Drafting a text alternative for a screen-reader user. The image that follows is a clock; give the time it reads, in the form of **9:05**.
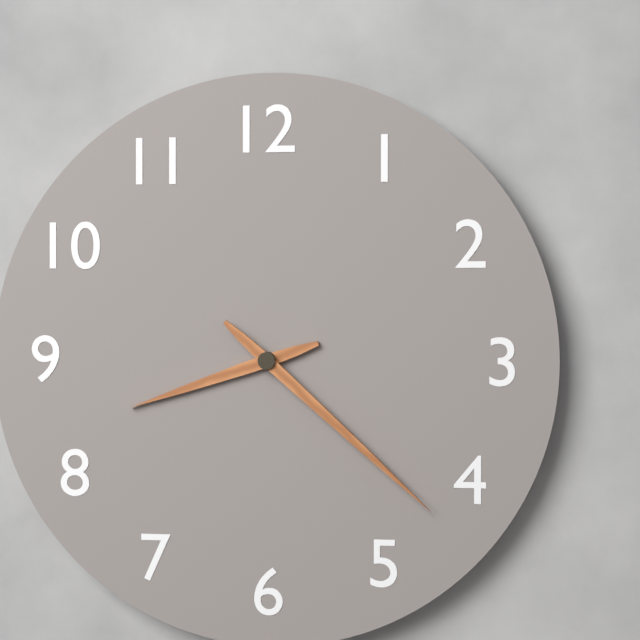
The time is **8:22**
